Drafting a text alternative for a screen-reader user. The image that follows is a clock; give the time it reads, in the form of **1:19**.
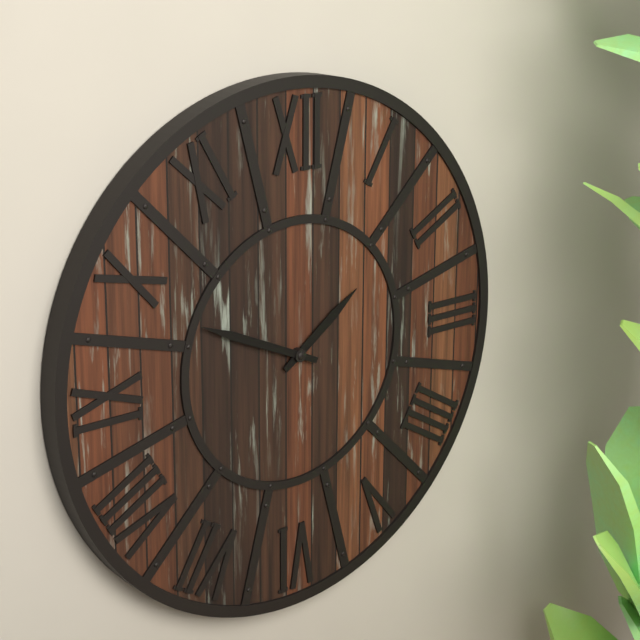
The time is **1:49**
